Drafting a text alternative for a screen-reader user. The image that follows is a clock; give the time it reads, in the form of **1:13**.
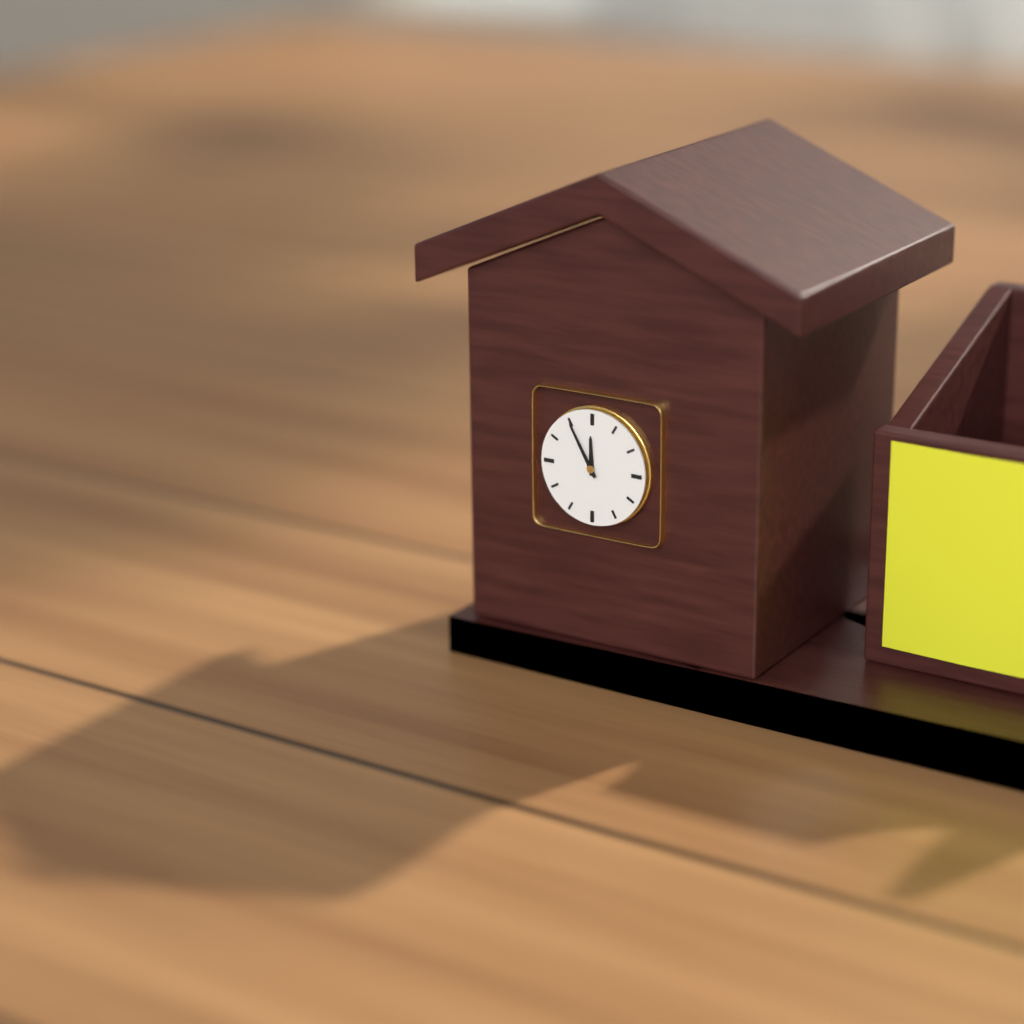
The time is **11:55**
